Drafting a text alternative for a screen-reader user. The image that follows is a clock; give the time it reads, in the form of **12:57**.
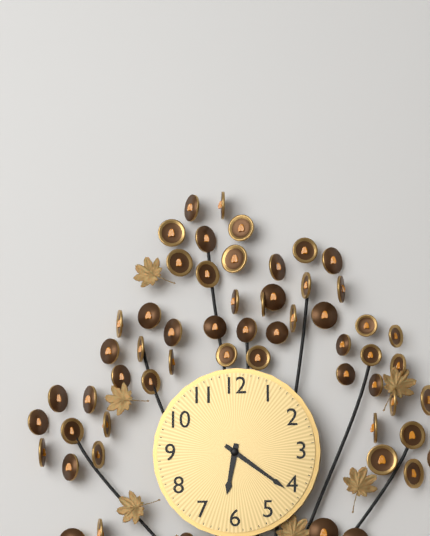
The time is **6:21**
